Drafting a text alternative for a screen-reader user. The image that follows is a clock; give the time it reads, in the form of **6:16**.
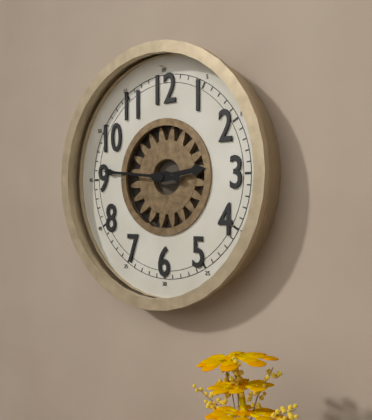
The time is **2:46**
